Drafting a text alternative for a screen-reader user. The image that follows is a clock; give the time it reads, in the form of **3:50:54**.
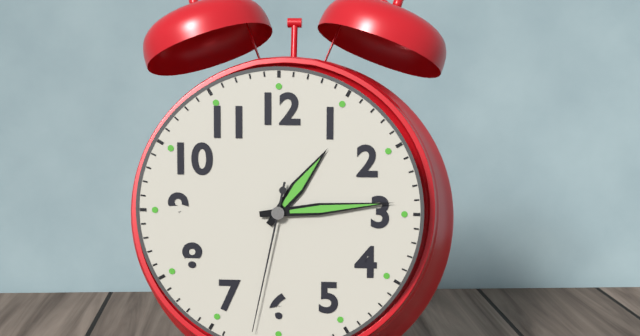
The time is **1:14:32**
